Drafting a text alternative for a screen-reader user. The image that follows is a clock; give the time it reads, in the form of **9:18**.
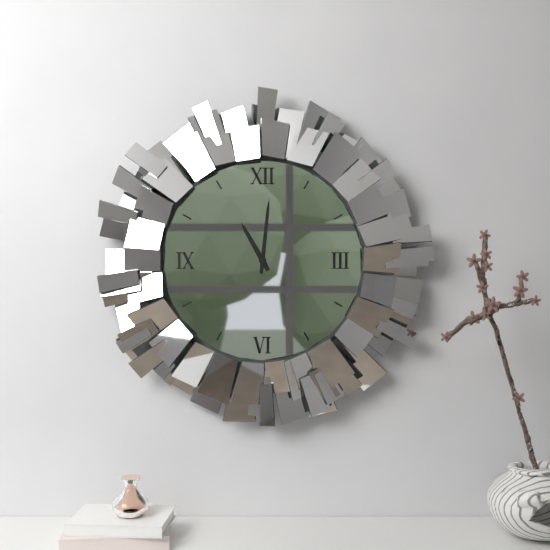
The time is **11:01**
